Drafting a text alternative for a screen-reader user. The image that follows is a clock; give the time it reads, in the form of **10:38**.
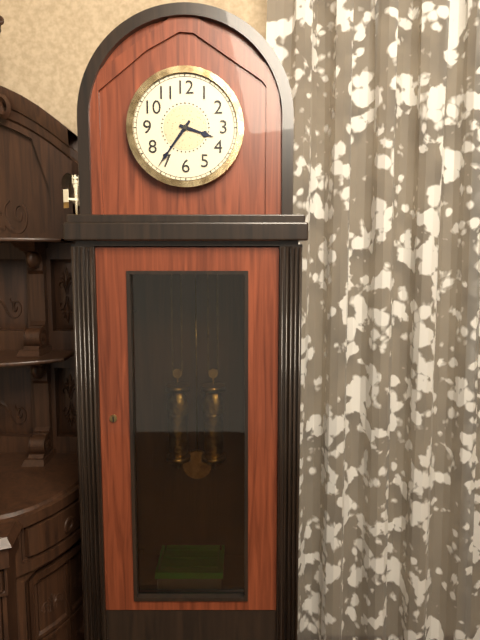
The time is **3:36**
